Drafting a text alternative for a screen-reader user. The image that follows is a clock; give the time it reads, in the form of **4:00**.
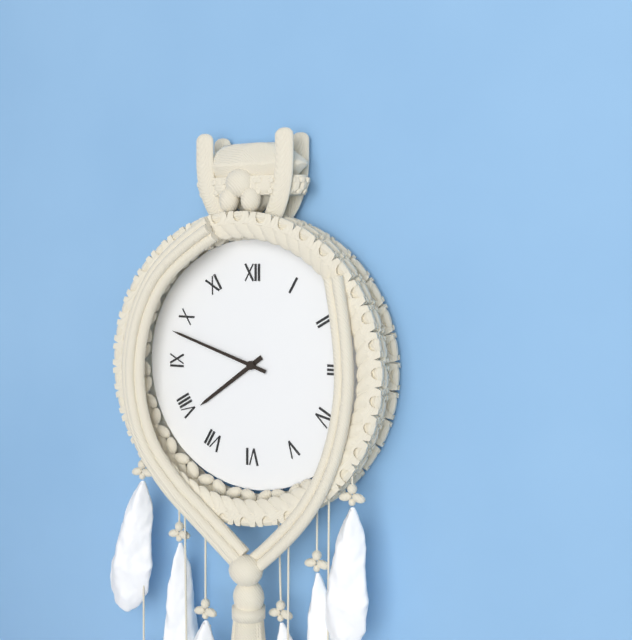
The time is **7:48**
